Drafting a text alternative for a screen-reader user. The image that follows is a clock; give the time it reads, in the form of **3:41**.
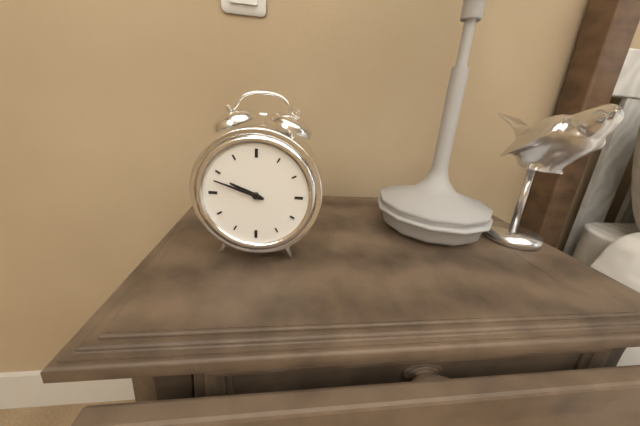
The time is **9:48**
